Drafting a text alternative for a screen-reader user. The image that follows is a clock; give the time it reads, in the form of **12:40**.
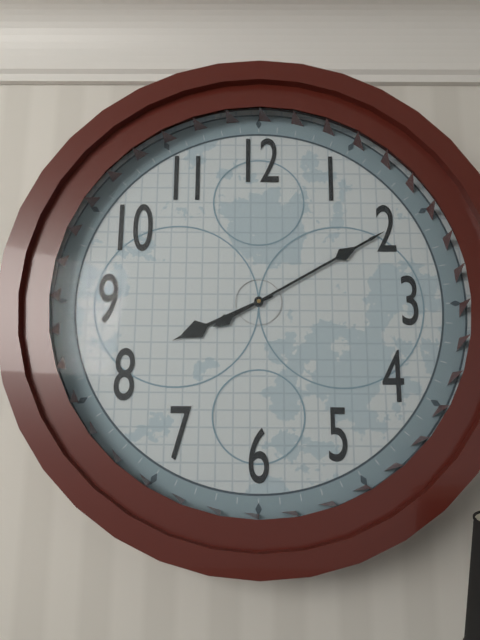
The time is **8:10**
